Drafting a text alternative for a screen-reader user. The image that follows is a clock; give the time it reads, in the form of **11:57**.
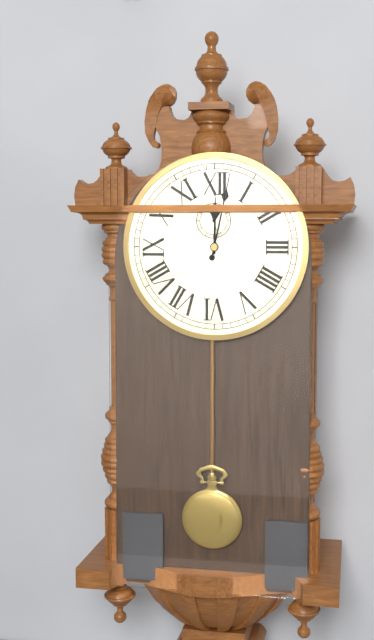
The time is **12:02**
